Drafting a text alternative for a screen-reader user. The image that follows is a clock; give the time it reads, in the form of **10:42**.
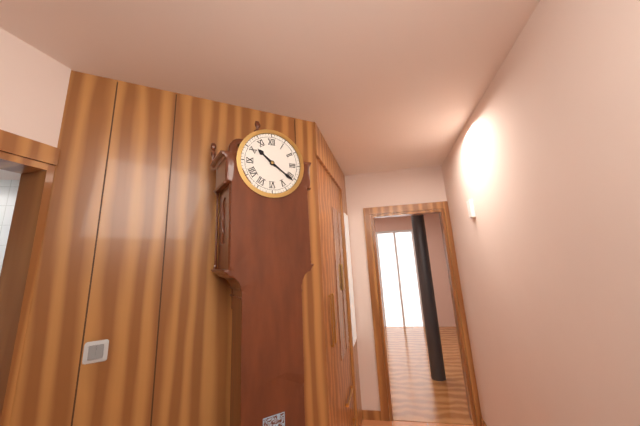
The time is **10:21**
